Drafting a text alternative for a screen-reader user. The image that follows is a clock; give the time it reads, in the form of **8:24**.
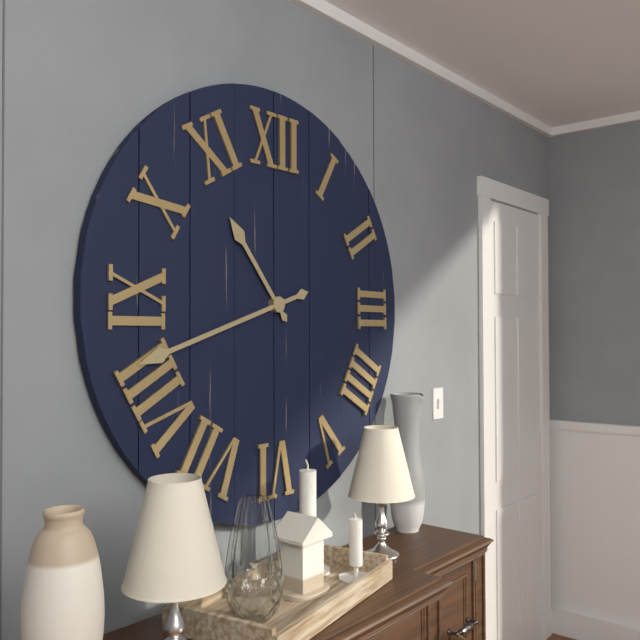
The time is **10:42**
